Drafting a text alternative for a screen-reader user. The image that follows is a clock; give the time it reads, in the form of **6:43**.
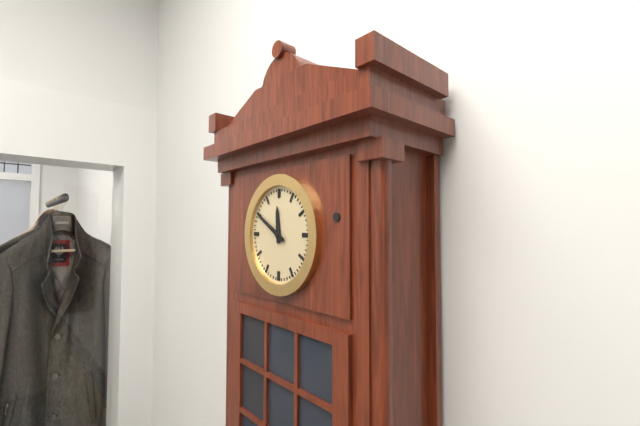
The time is **11:50**
